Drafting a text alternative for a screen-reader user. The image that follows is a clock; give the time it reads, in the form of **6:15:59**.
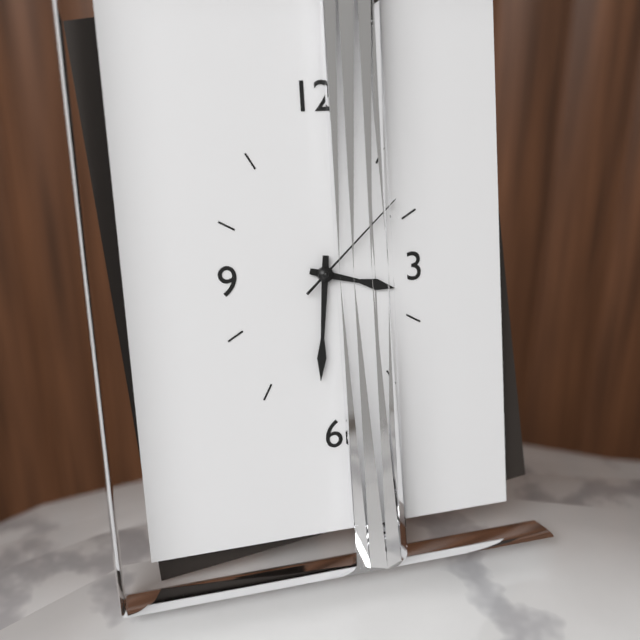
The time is **3:31:08**
